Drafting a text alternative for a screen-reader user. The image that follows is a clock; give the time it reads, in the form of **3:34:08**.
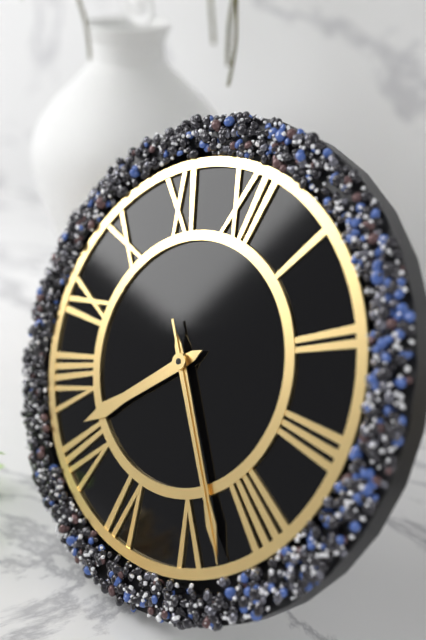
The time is **7:23:23**
